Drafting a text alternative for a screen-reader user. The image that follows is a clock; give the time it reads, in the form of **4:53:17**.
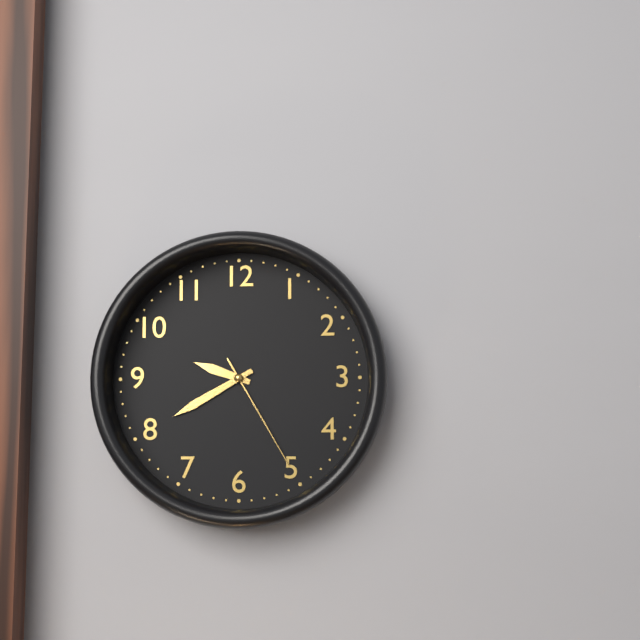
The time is **9:40:25**
